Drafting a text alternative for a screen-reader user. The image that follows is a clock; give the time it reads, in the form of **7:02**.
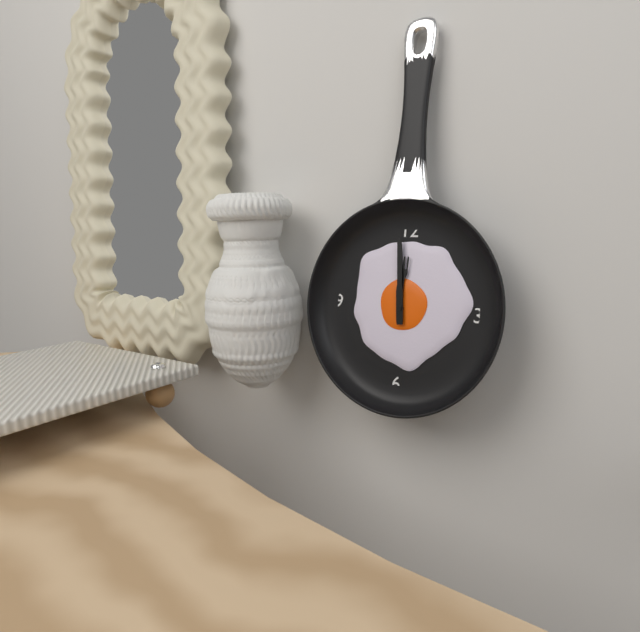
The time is **11:59**
